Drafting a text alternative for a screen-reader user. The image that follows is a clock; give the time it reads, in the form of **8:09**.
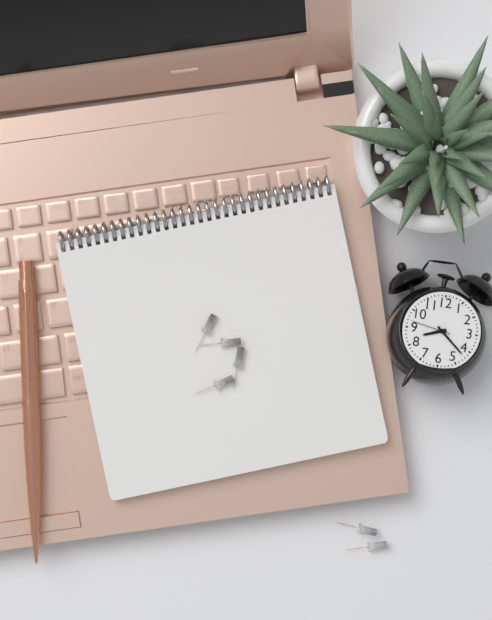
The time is **8:22**
